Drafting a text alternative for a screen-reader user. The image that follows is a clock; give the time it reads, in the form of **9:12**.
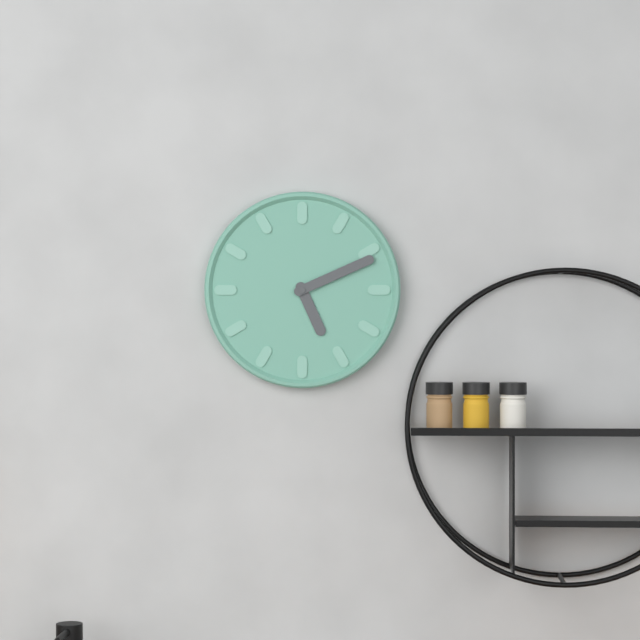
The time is **5:11**
